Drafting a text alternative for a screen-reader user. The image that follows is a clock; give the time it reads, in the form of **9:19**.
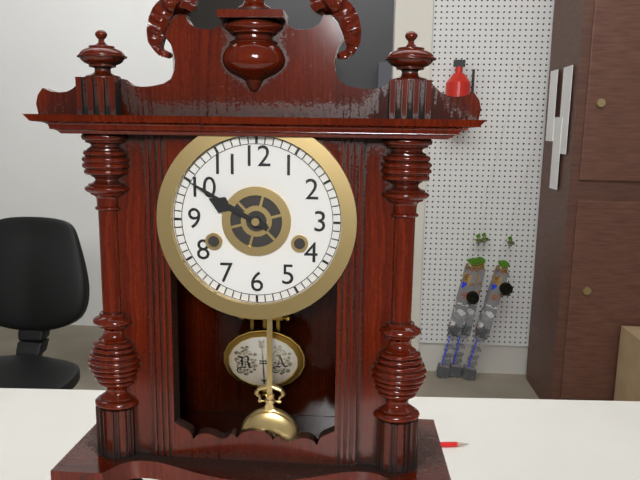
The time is **9:50**
